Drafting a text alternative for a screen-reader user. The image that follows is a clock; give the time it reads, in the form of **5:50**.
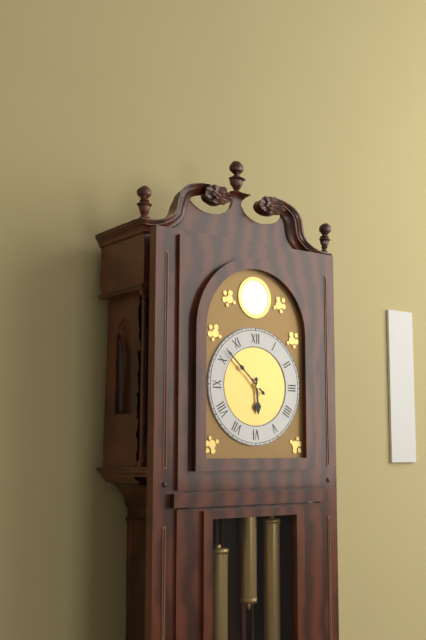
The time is **5:52**
